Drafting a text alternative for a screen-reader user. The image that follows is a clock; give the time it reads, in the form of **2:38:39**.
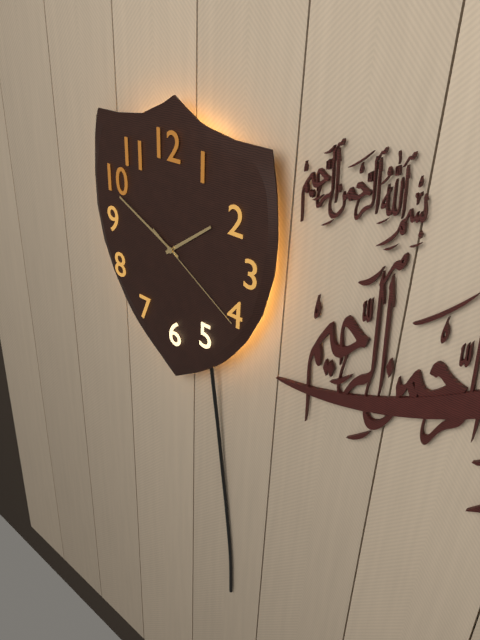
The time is **1:49:20**
